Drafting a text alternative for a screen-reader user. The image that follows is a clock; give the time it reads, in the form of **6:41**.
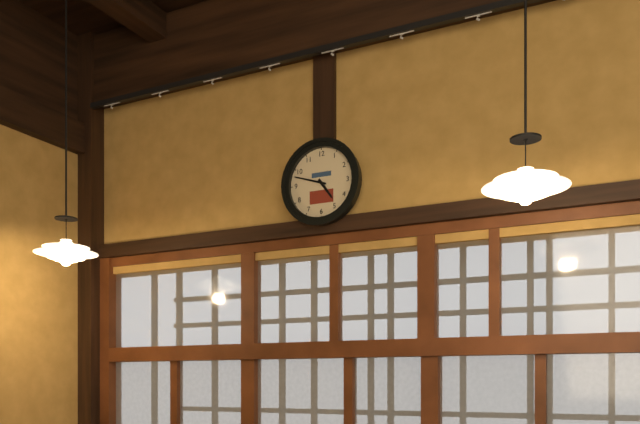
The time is **4:48**
